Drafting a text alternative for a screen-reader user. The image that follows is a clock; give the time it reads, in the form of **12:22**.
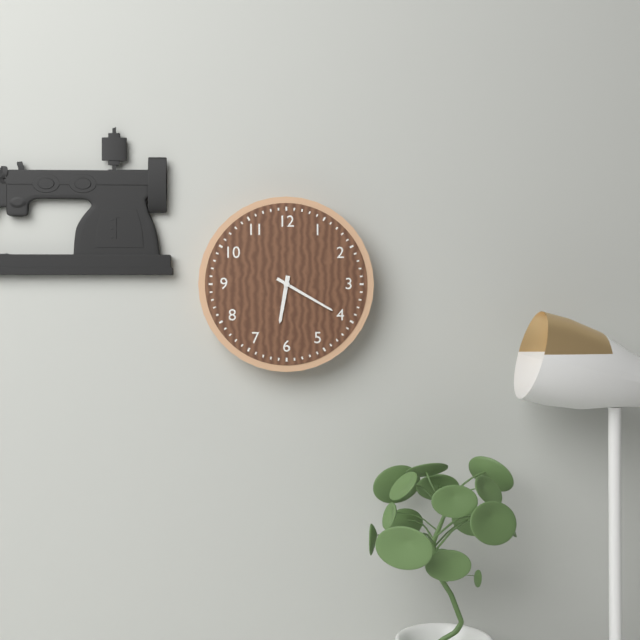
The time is **6:20**
